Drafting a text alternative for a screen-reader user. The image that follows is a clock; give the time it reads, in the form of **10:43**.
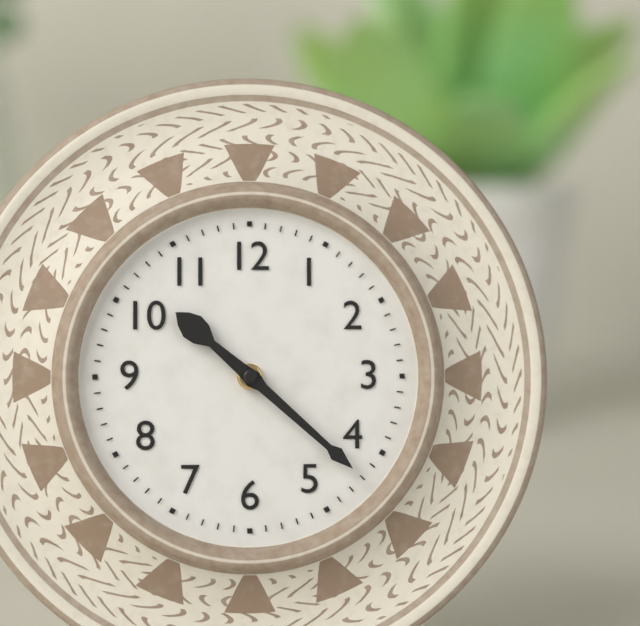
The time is **10:22**
